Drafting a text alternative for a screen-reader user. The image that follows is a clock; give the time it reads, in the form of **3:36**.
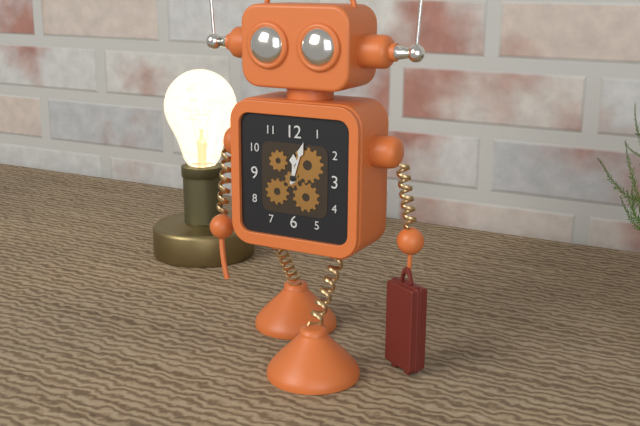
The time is **12:03**
